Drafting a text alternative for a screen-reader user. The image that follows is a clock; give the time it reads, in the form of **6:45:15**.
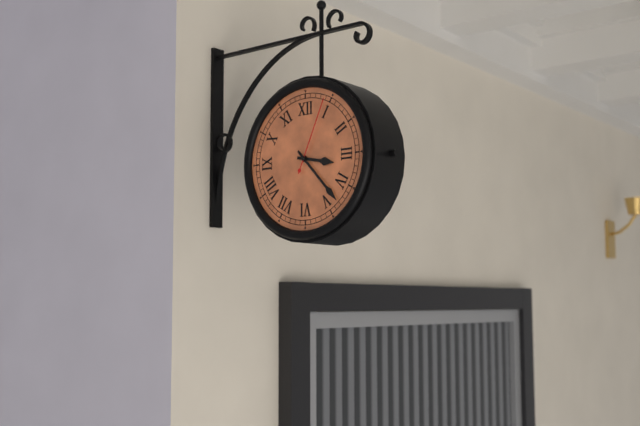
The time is **3:23:04**
